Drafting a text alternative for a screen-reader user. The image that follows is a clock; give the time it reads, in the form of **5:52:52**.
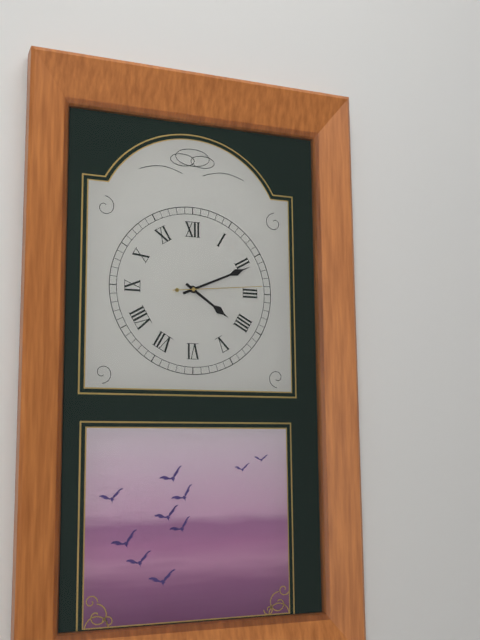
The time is **4:11:14**
